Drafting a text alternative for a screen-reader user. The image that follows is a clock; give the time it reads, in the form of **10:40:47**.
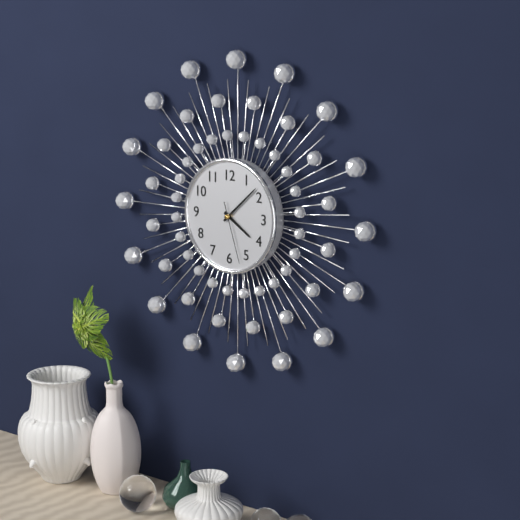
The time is **4:08:27**
